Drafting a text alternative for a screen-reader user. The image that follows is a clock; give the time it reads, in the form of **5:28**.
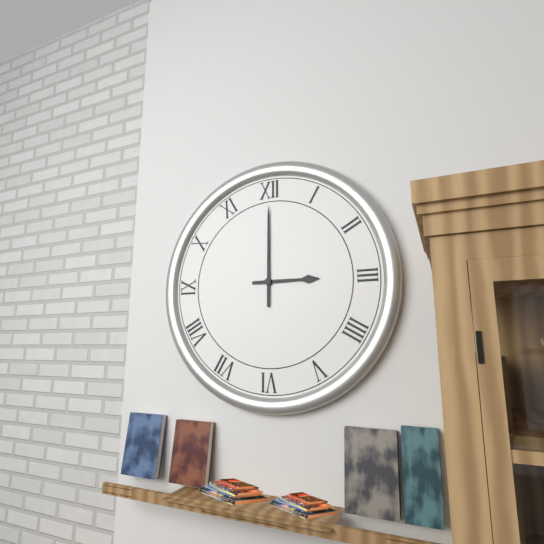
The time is **3:00**
